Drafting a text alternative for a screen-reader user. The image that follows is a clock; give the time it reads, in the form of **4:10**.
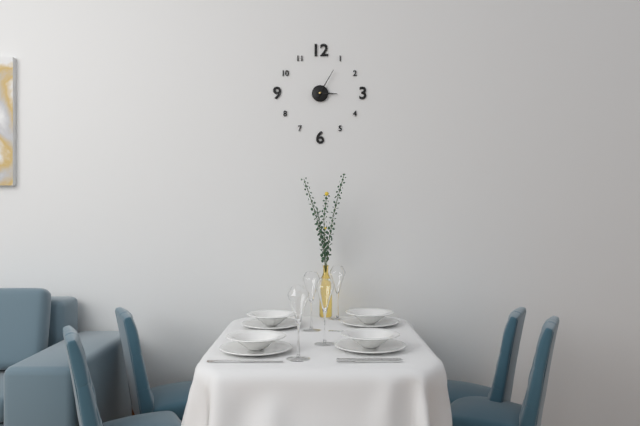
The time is **3:05**
